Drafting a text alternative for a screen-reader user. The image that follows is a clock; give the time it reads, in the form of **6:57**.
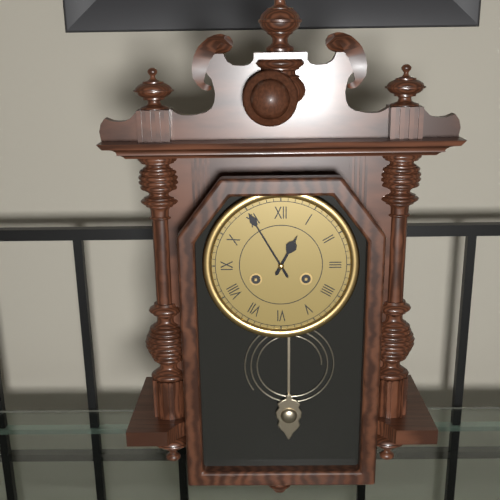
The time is **12:55**
